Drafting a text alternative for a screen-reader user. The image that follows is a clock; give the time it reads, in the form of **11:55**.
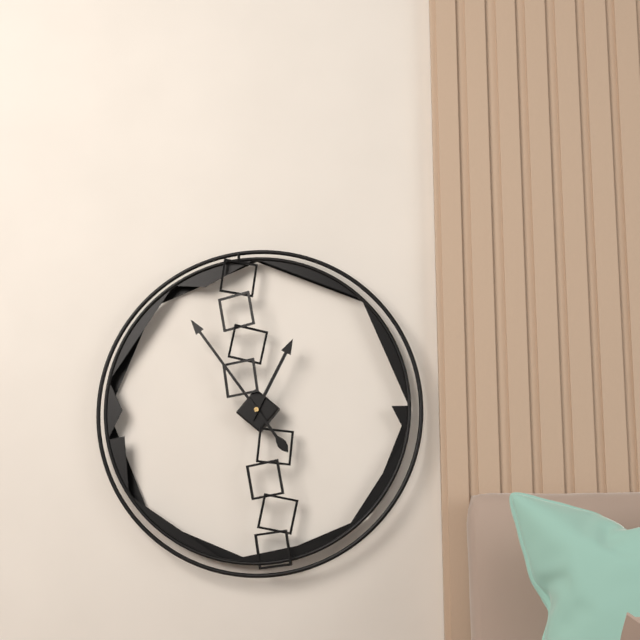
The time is **12:54**
